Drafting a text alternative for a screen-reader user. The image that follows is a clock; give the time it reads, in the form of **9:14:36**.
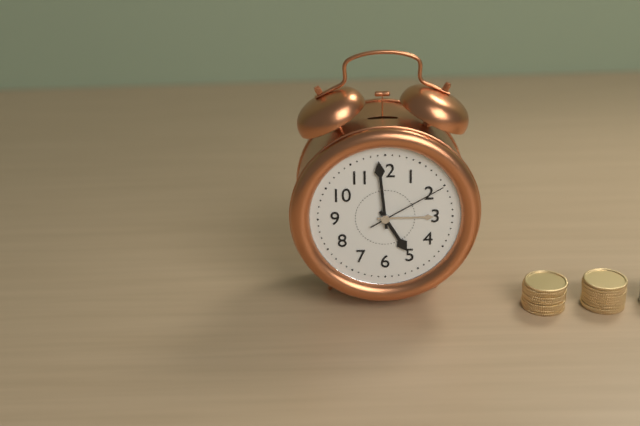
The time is **4:59:10**
